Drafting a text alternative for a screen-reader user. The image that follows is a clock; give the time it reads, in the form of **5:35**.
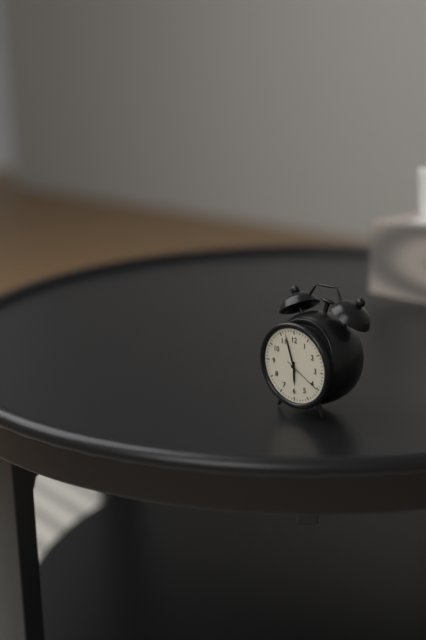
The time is **5:57**
